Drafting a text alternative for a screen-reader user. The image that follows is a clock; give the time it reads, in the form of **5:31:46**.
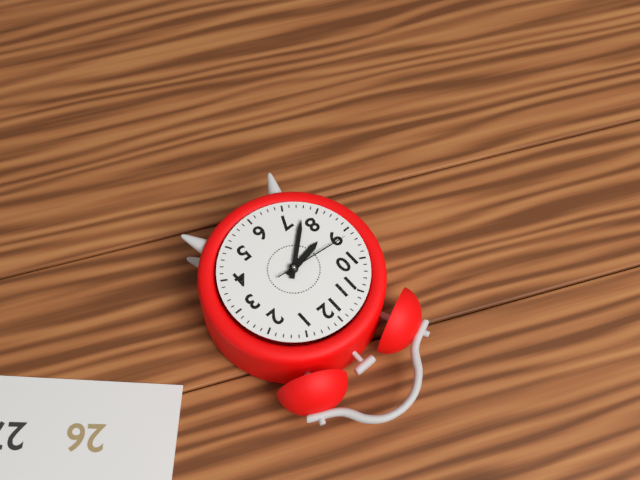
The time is **8:38:46**
